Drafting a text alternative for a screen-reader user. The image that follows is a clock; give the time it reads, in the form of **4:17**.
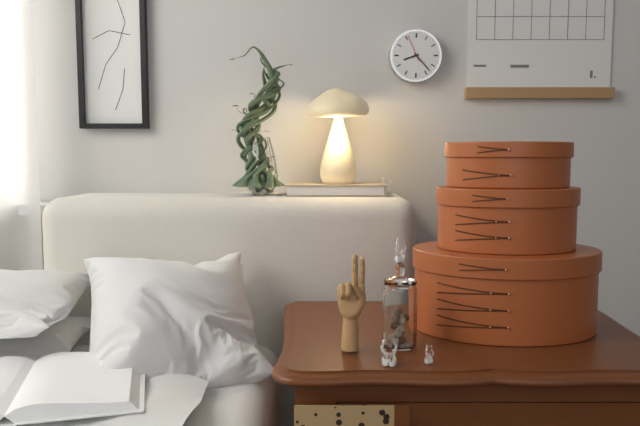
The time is **8:23**
